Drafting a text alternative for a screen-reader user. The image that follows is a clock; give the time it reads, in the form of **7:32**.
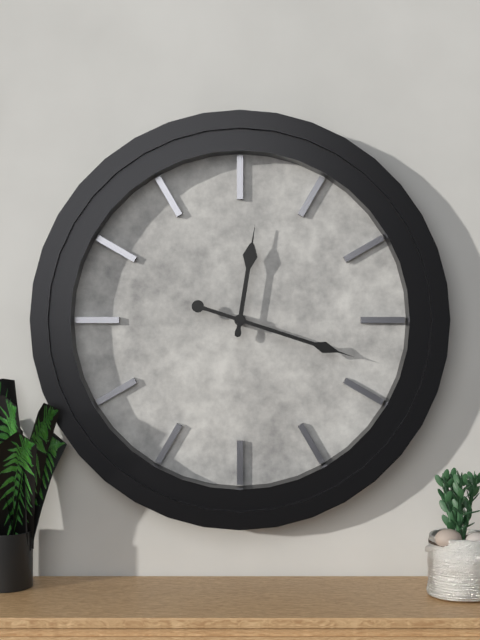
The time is **12:18**
